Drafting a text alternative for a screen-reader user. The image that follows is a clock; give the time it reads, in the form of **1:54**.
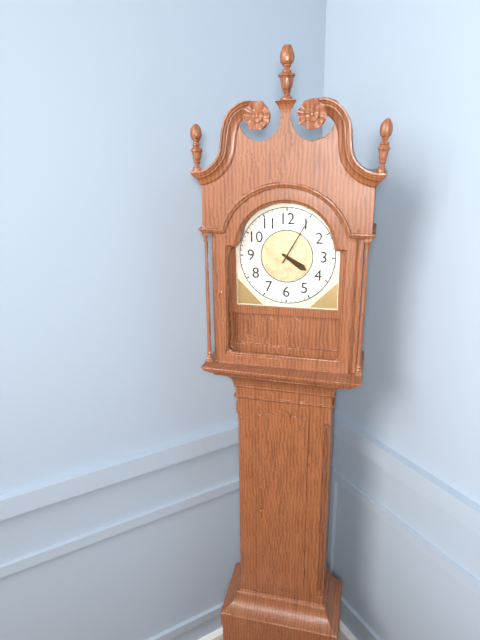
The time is **4:05**
